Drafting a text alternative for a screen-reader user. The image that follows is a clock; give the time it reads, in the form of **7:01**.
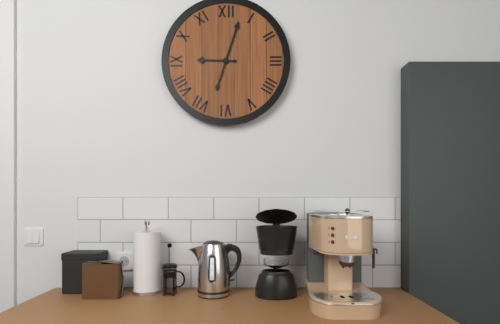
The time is **9:03**
